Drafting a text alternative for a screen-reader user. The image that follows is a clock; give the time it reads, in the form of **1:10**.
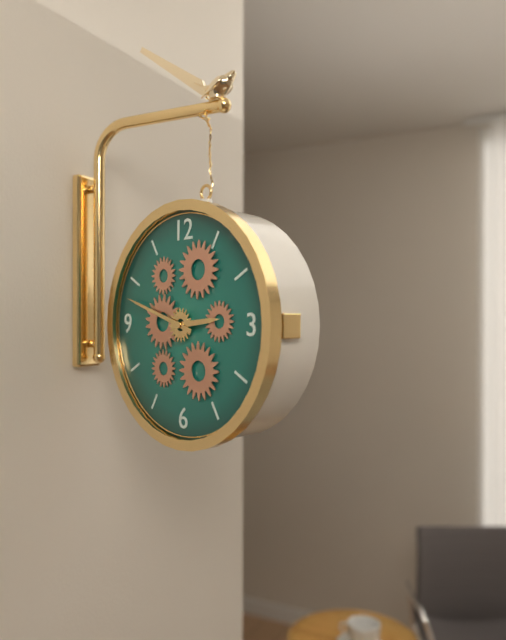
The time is **2:48**
